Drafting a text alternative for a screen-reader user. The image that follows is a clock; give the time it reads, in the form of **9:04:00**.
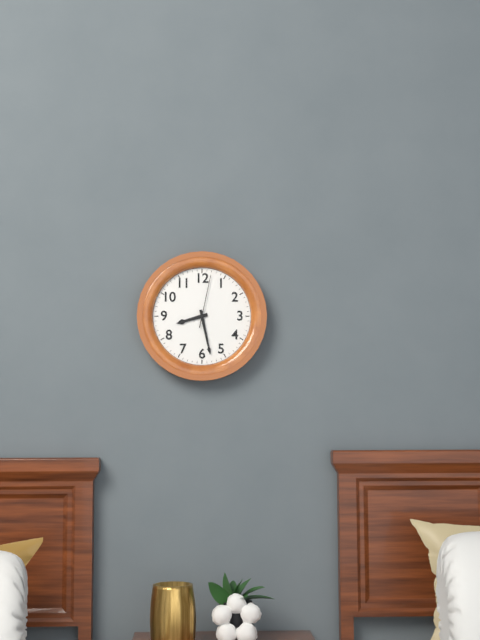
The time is **8:28:02**
